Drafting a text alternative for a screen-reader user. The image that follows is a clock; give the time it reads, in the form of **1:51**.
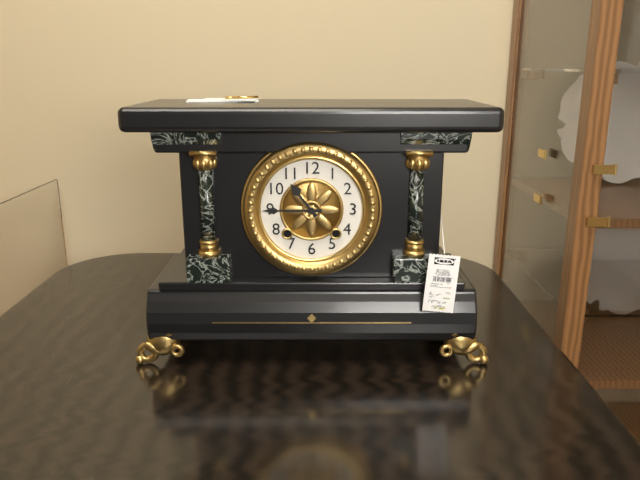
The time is **10:45**
